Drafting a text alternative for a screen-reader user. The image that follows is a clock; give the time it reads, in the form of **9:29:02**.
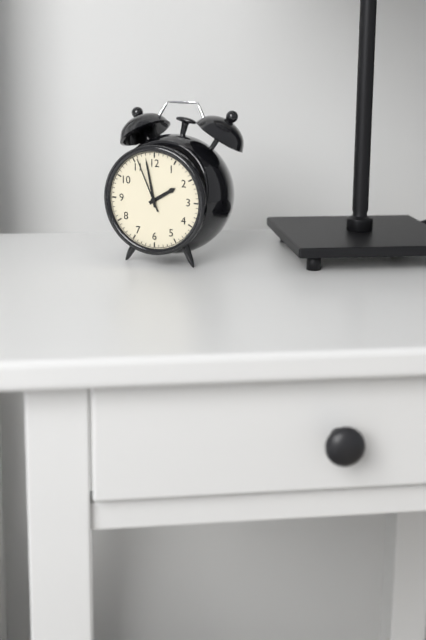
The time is **1:58:56**
